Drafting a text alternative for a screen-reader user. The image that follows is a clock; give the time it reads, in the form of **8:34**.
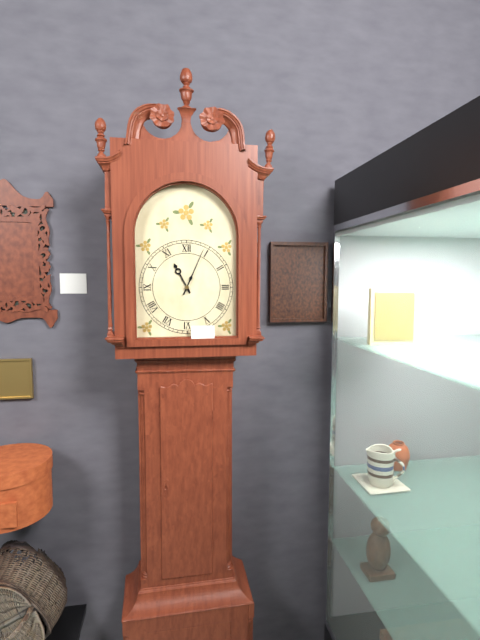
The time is **11:04**
